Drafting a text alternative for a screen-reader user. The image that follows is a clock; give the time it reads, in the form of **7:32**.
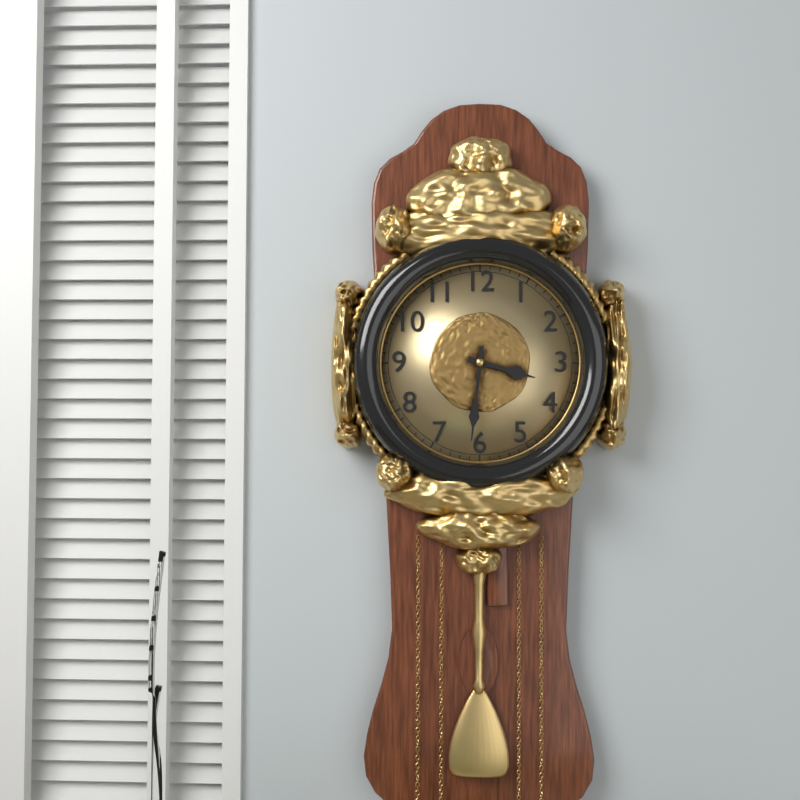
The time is **3:31**
